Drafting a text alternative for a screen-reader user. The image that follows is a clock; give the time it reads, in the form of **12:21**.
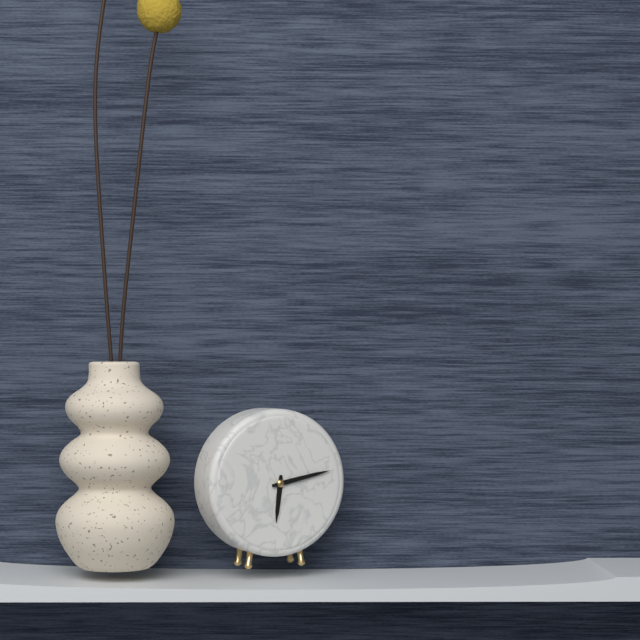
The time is **6:13**
